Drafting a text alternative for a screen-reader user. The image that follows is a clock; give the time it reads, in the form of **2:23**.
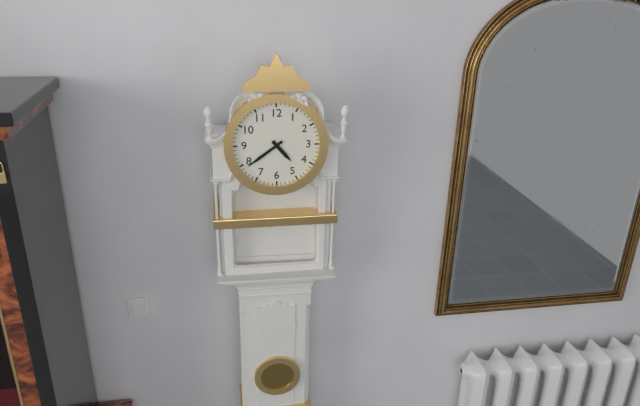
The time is **4:39**
